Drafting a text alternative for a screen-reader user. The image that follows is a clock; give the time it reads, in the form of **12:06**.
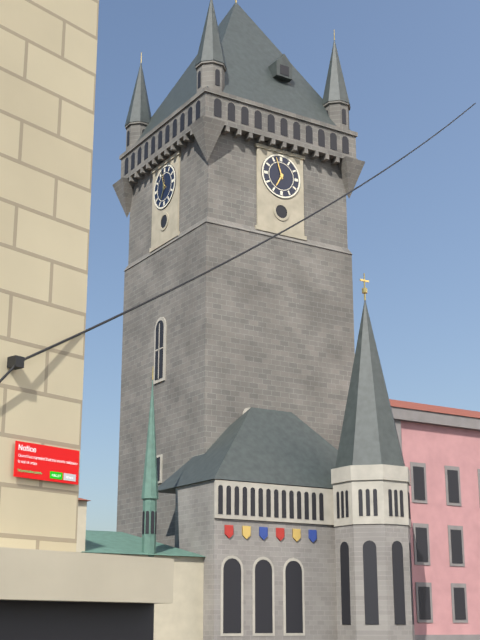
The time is **6:57**
